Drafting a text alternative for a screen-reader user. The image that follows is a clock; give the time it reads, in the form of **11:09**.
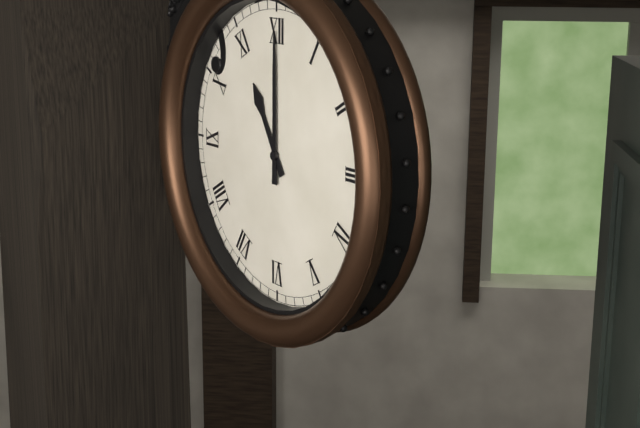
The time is **11:00**
